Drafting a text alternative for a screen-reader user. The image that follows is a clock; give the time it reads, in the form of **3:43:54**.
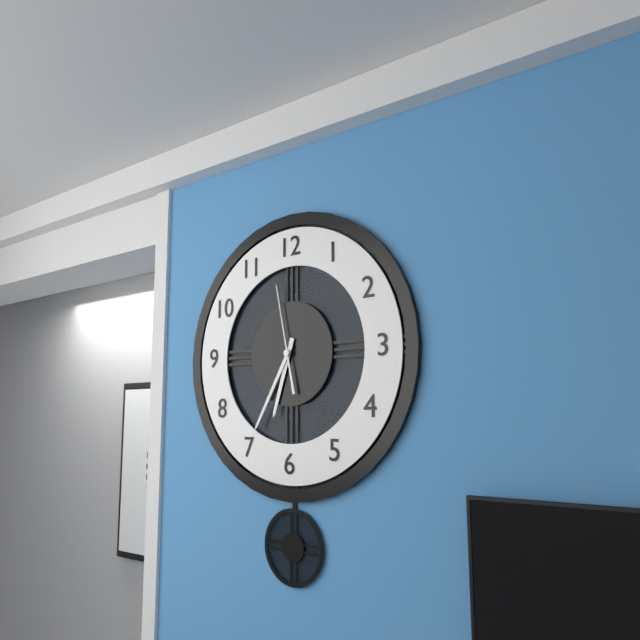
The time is **6:35:58**
